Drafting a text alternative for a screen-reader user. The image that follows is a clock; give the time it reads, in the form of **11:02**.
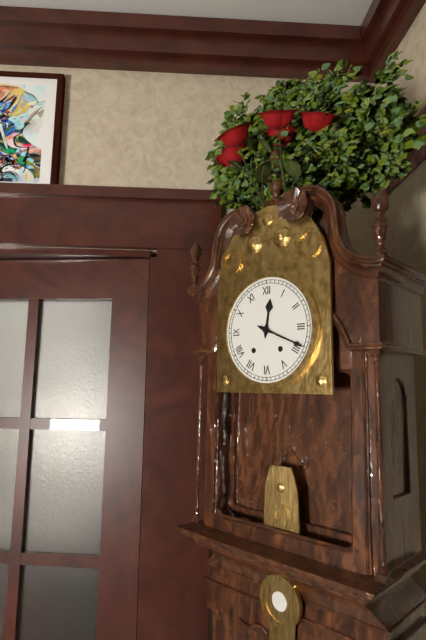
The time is **12:19**
